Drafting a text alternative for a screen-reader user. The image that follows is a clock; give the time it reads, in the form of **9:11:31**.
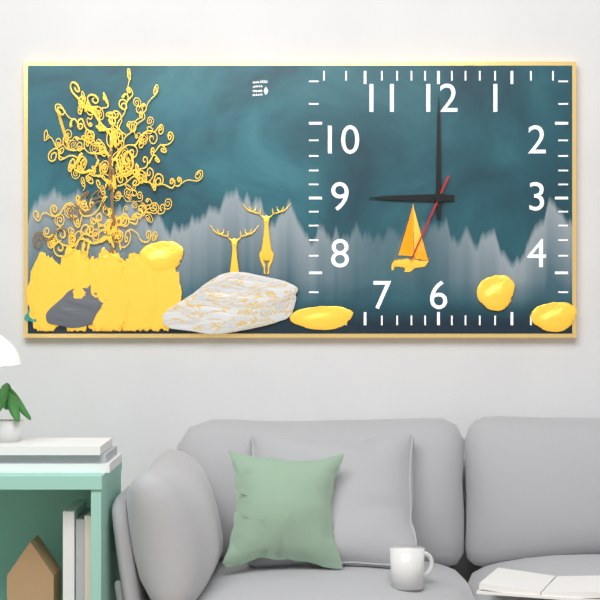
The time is **9:00:34**
